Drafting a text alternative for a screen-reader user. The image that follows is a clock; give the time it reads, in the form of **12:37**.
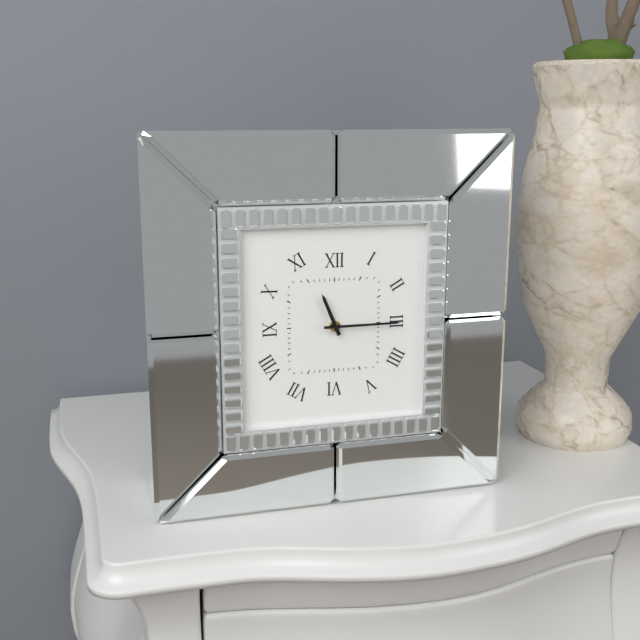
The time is **11:15**
